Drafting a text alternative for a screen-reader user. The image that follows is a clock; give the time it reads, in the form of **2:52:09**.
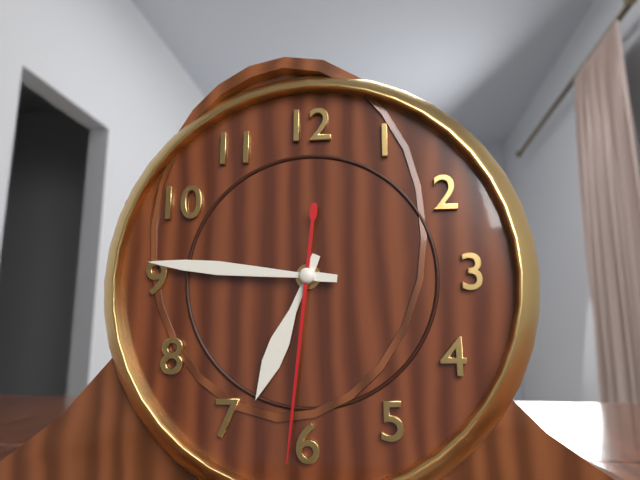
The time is **6:46:31**
